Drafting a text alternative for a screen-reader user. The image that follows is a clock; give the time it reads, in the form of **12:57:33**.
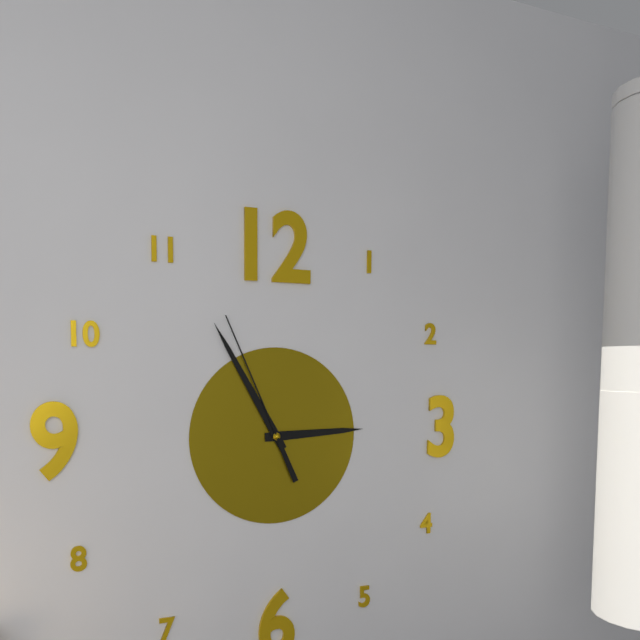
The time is **2:55:56**
